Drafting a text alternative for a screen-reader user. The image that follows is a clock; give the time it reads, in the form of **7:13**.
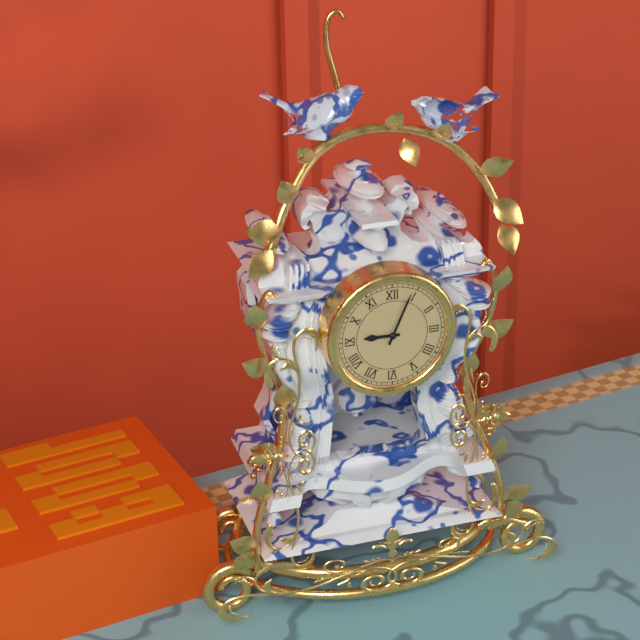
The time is **9:04**
